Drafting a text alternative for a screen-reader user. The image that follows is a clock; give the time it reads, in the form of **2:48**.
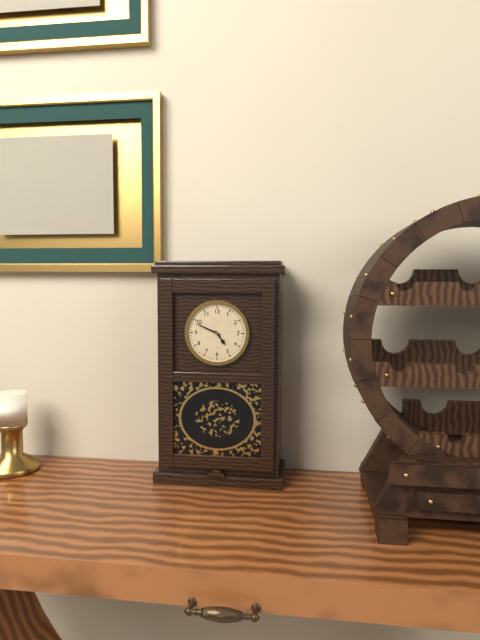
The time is **4:49**
